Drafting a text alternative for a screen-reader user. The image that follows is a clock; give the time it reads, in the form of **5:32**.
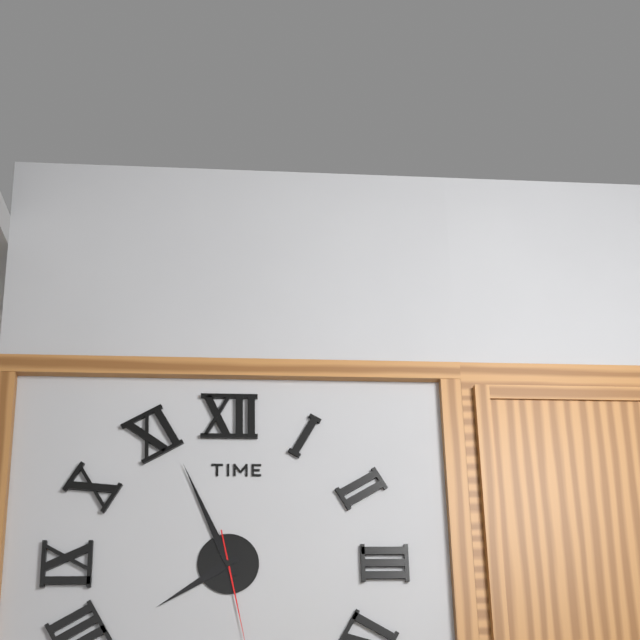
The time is **7:56**
